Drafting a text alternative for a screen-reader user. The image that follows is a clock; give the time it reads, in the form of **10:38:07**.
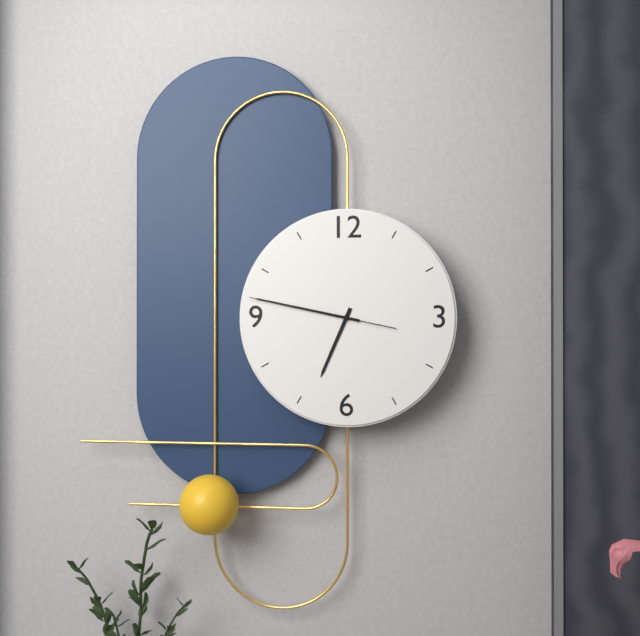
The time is **6:47:47**
